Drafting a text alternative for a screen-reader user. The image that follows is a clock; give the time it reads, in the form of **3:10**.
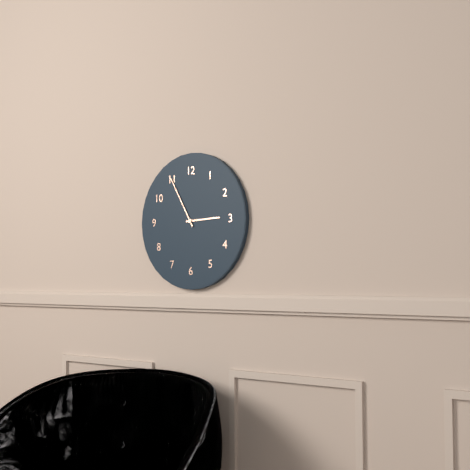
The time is **2:55**
